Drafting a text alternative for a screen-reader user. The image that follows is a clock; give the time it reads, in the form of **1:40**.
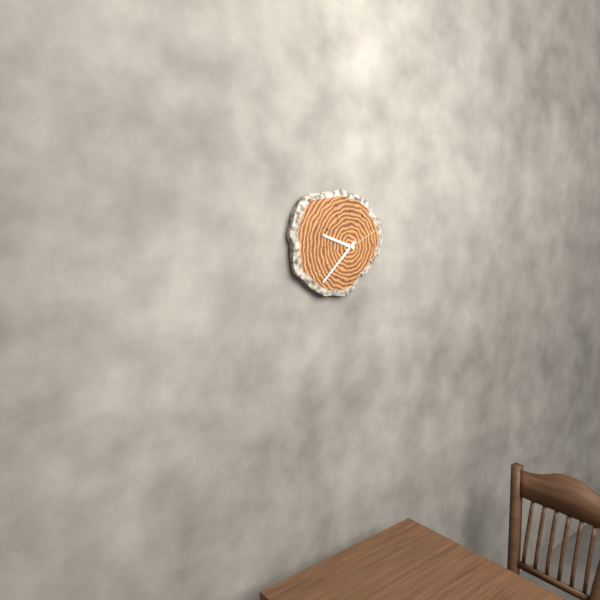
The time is **9:38**
